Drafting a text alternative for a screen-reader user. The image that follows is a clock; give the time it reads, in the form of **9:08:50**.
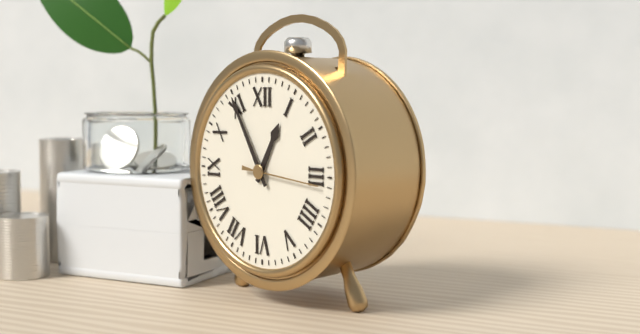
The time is **12:55:16**
